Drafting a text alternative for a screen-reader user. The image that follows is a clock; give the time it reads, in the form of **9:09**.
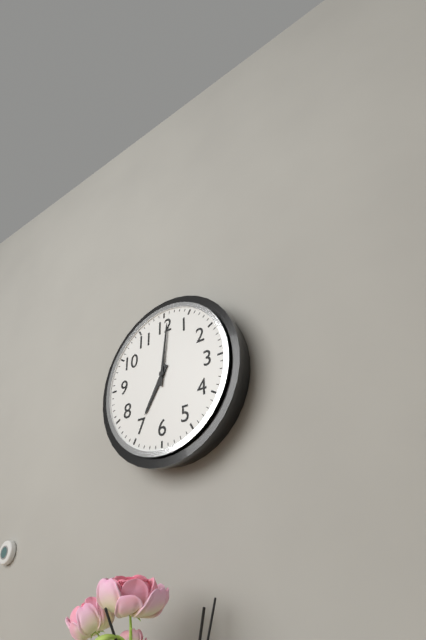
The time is **7:01**
